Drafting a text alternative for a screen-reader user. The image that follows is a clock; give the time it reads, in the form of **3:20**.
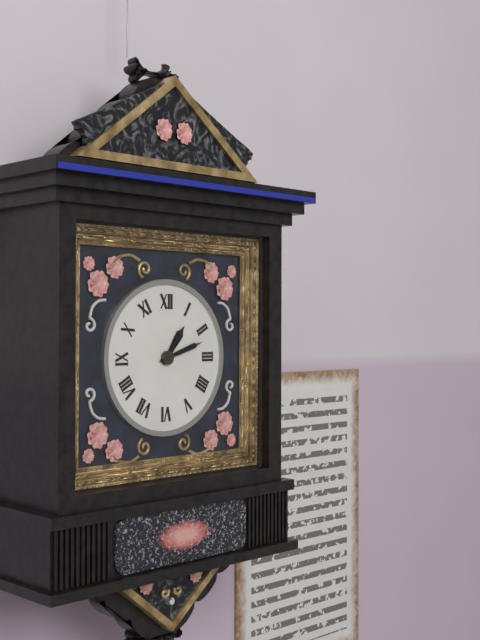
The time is **1:12**
